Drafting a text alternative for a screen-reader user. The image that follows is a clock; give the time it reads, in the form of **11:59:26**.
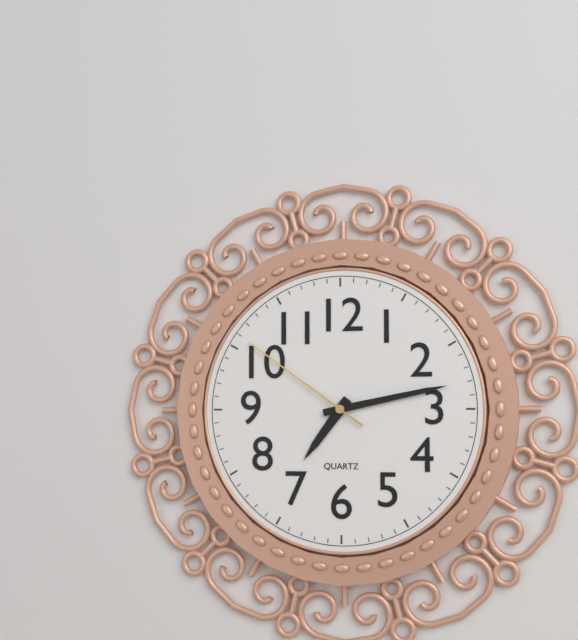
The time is **7:13:51**
